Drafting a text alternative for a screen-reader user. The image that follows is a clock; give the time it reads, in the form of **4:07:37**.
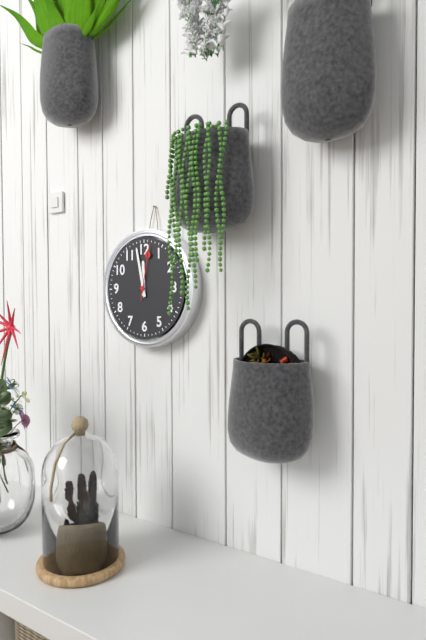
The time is **11:58:02**
